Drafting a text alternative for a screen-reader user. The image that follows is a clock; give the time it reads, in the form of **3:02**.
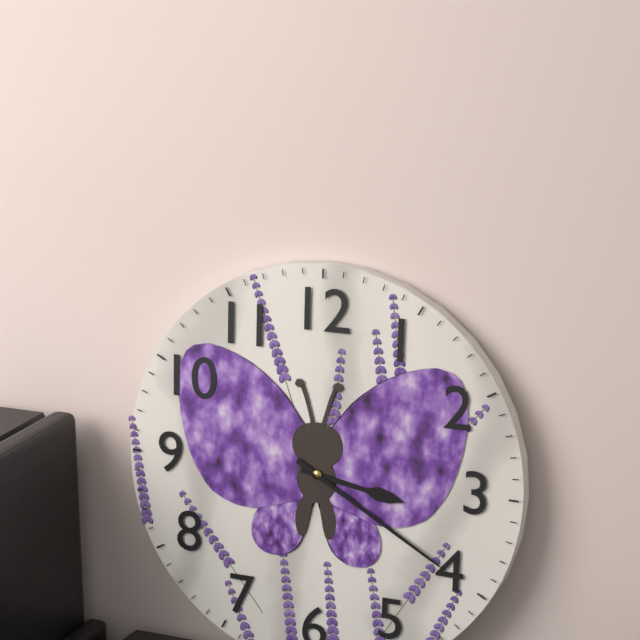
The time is **3:20**
